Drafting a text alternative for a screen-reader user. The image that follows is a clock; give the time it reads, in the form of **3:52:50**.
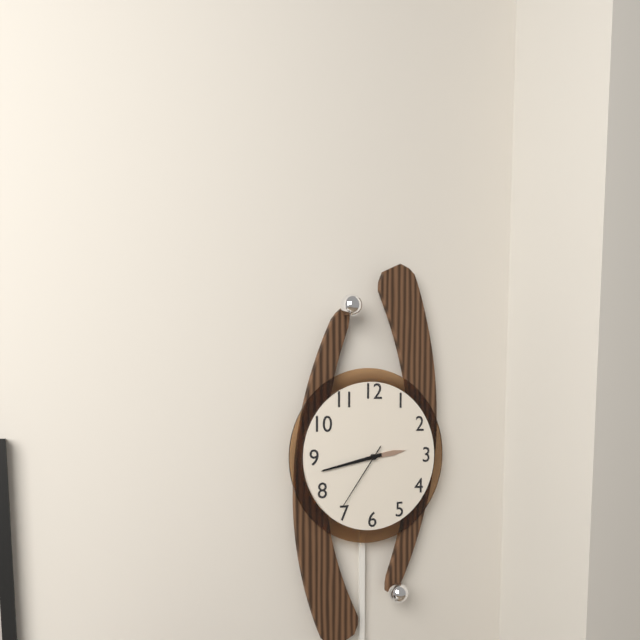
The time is **2:43:36**
